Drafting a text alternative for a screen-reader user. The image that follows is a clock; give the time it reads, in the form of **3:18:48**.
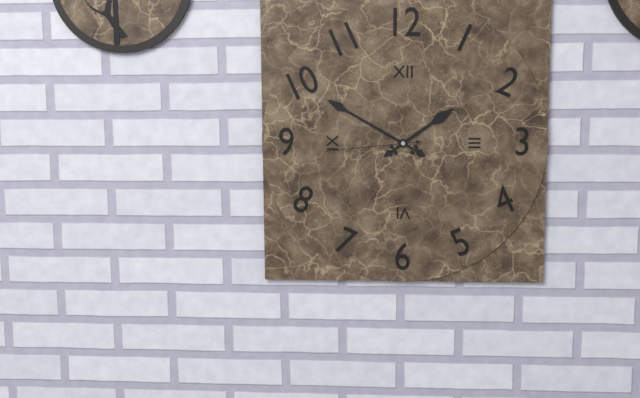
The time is **1:50:44**
